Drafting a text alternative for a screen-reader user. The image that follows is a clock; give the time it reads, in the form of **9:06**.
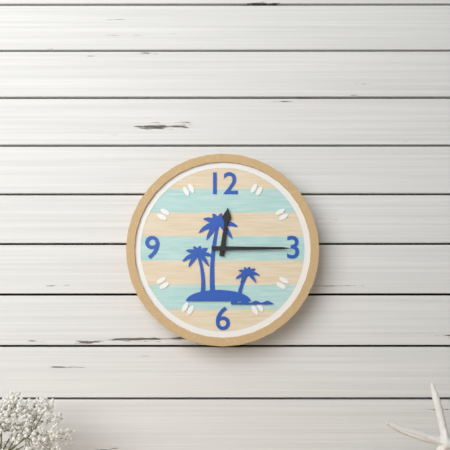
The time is **12:15**
